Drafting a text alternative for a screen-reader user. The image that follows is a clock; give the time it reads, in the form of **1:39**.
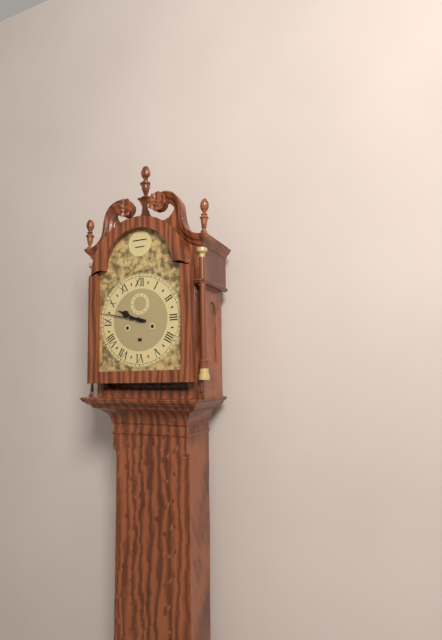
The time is **9:47**
